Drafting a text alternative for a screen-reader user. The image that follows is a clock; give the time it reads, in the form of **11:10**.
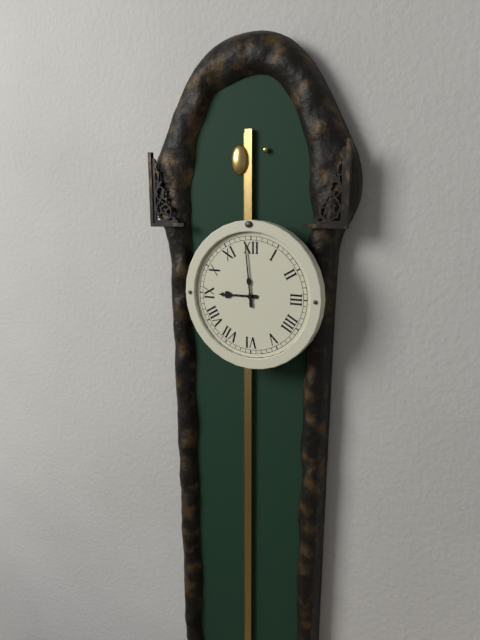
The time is **8:59**
